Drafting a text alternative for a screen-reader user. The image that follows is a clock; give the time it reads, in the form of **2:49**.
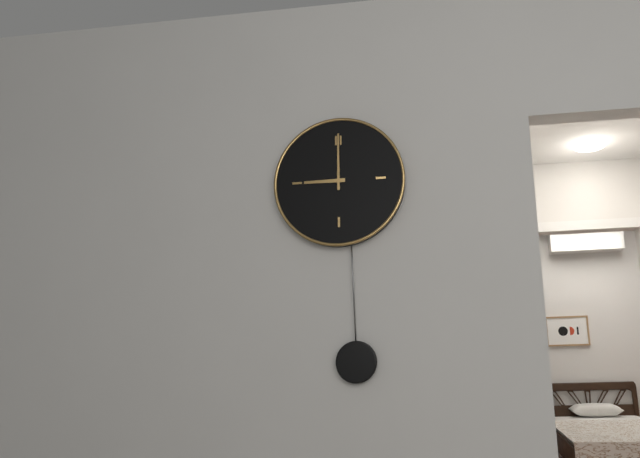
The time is **9:00**
